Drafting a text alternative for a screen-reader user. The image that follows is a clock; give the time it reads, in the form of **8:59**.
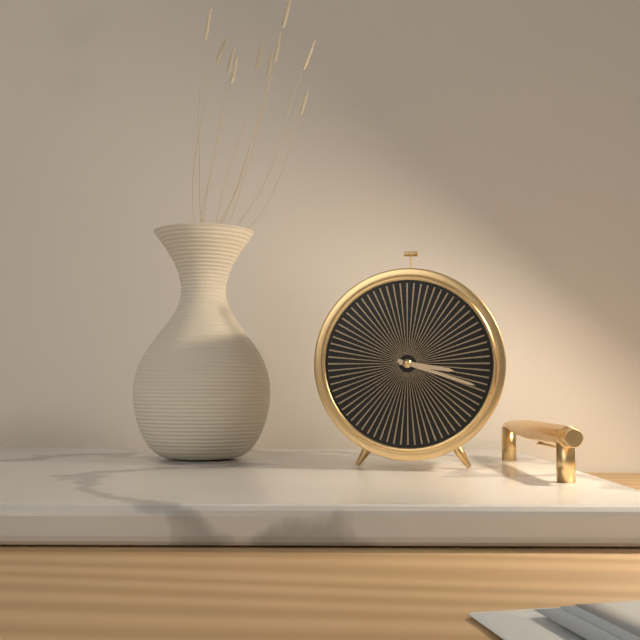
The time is **3:18**
